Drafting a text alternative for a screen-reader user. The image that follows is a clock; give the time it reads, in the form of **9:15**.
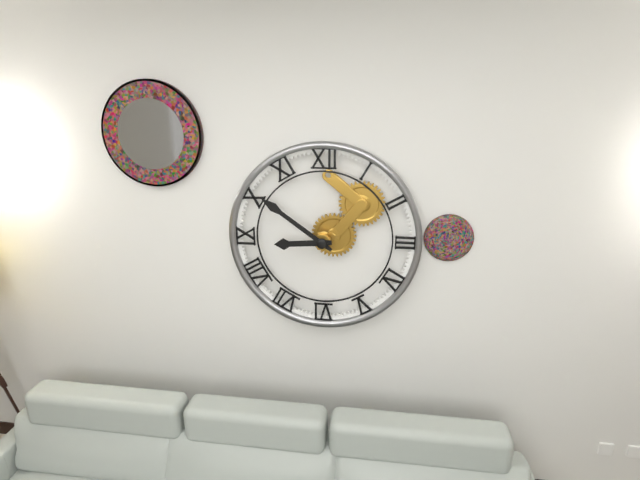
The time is **8:51**
